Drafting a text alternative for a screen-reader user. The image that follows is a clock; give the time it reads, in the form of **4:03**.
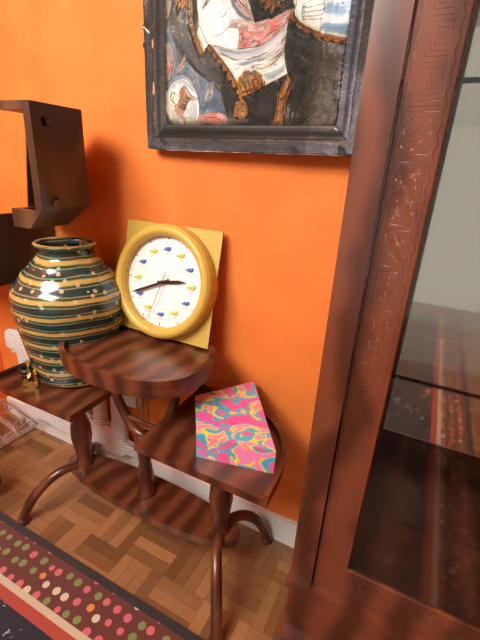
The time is **2:41**
